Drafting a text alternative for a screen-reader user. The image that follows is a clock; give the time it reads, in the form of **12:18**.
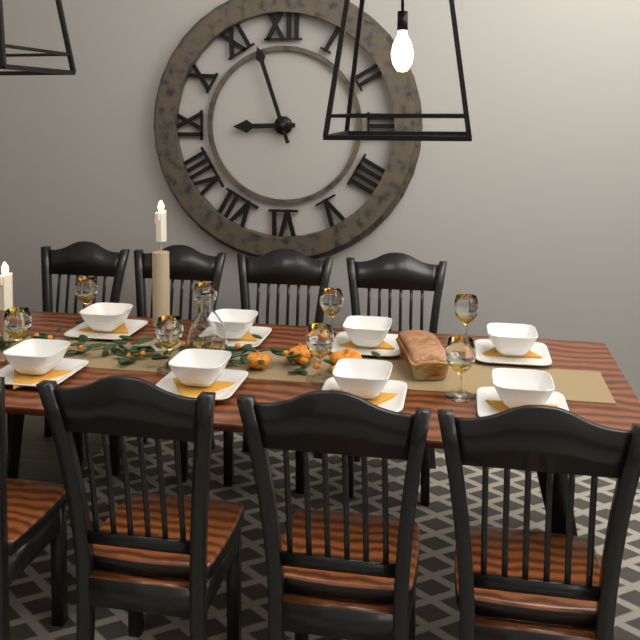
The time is **8:57**
